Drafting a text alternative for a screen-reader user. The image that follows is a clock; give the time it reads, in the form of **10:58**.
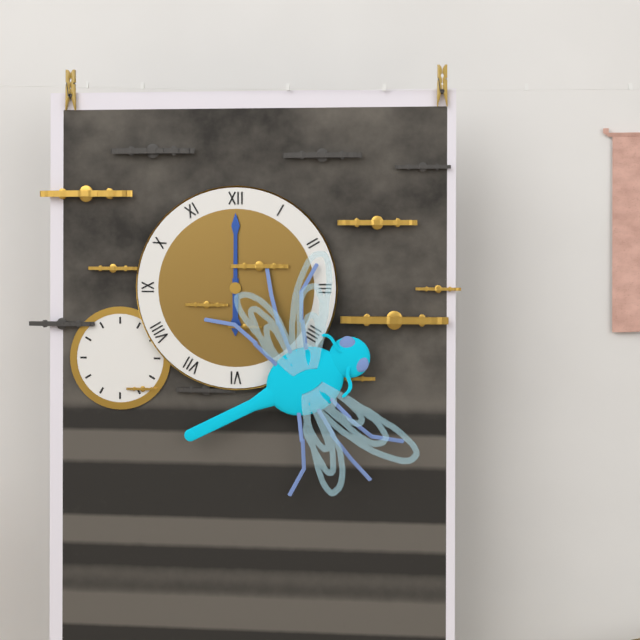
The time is **6:00**
